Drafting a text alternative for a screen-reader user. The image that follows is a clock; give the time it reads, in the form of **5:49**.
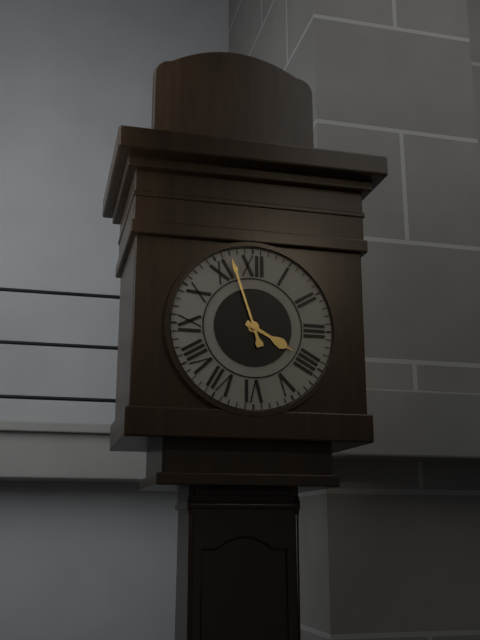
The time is **3:57**
